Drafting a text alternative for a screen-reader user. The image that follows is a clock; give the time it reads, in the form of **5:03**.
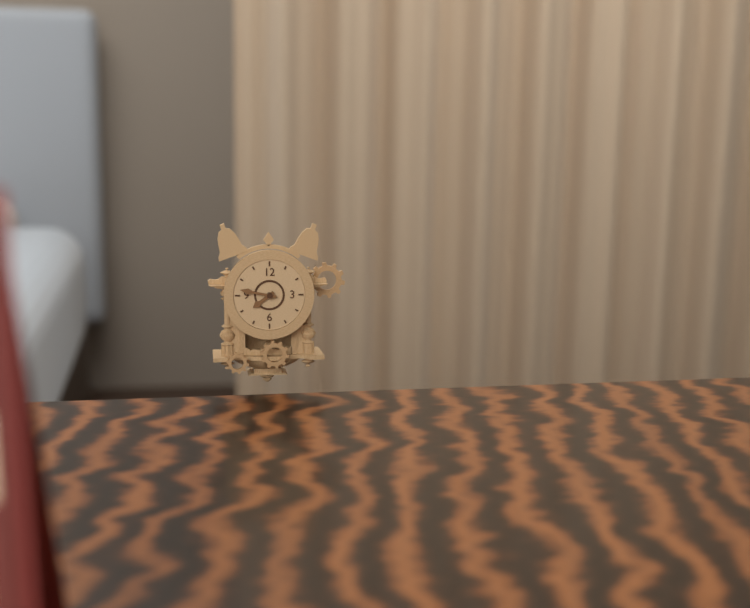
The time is **7:47**
